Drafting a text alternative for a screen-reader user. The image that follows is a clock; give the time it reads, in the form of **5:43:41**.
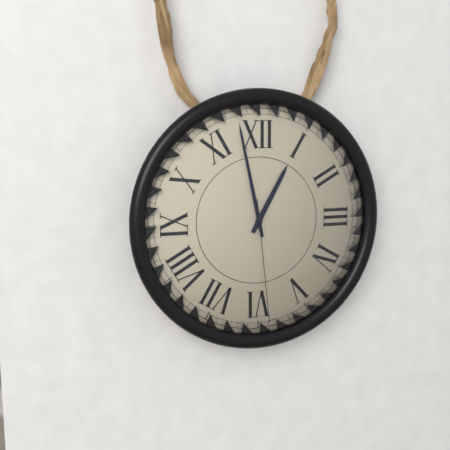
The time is **12:58:29**
